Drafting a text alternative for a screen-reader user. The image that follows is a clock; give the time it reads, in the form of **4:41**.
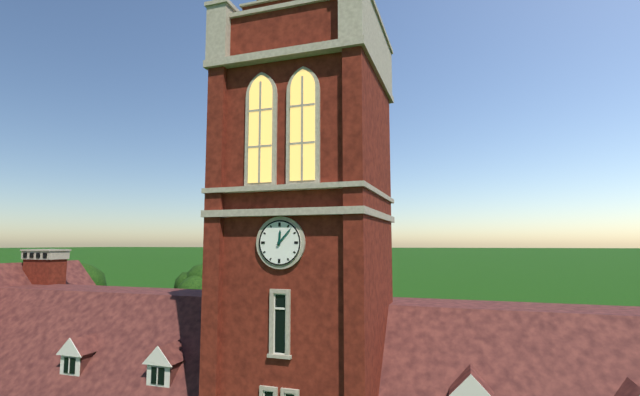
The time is **12:07**
